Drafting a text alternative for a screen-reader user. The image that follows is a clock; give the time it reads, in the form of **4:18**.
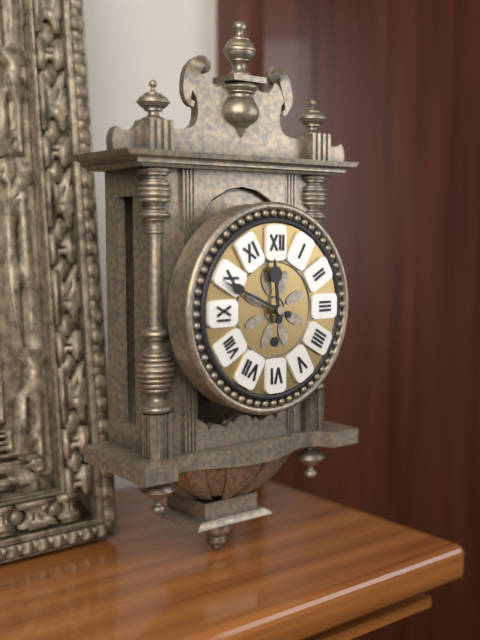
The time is **11:49**
